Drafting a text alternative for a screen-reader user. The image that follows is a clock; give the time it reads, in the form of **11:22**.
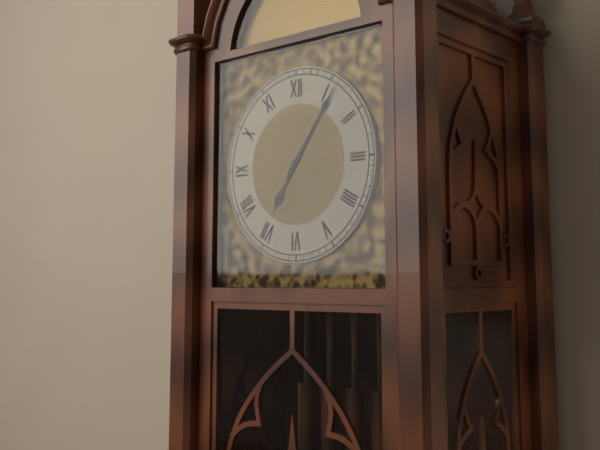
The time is **7:06**
